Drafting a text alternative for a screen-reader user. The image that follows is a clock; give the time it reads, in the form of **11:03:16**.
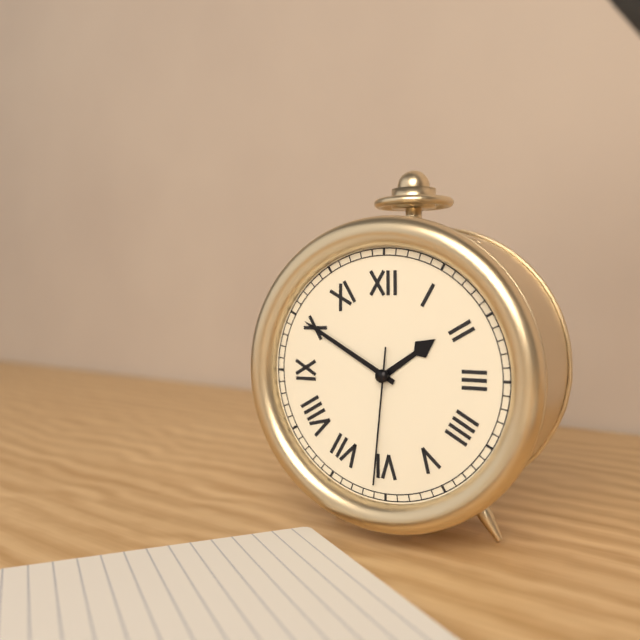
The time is **1:50:31**
